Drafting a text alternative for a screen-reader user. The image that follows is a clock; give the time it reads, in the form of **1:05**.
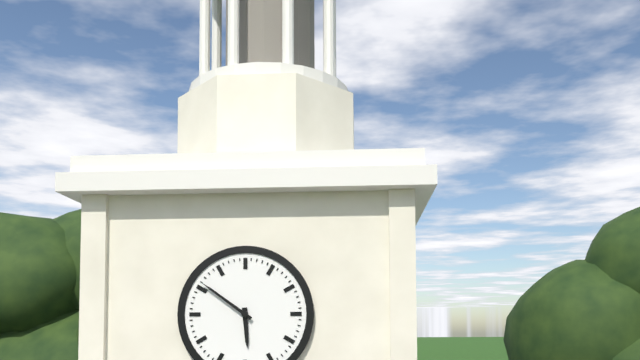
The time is **5:51**
